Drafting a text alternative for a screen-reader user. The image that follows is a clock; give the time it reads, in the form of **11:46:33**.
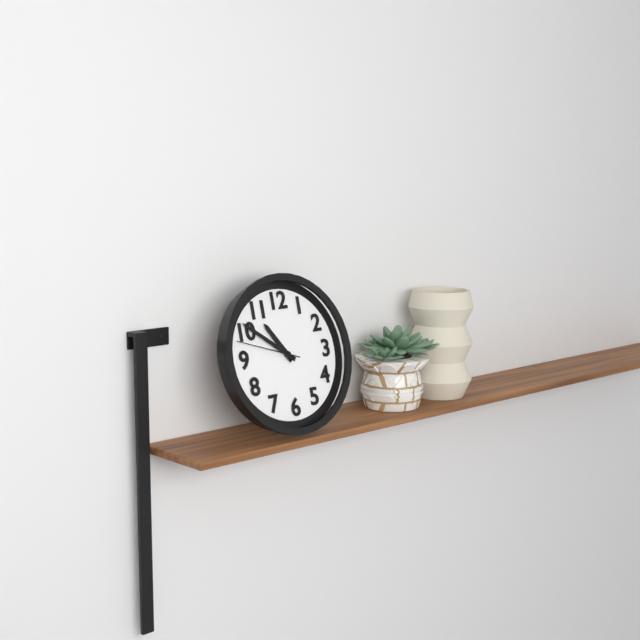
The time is **10:51:48**
